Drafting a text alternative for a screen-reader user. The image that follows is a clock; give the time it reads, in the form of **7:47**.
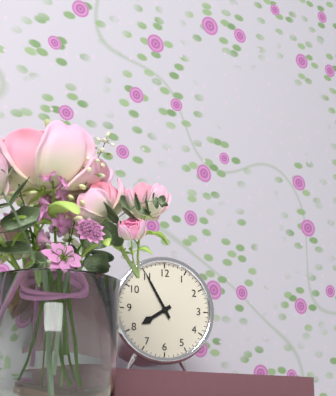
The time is **7:55**
